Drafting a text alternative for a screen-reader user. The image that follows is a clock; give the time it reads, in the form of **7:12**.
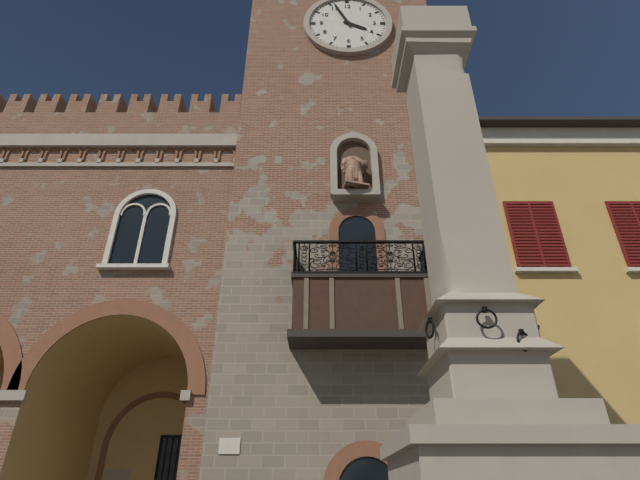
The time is **3:56**
